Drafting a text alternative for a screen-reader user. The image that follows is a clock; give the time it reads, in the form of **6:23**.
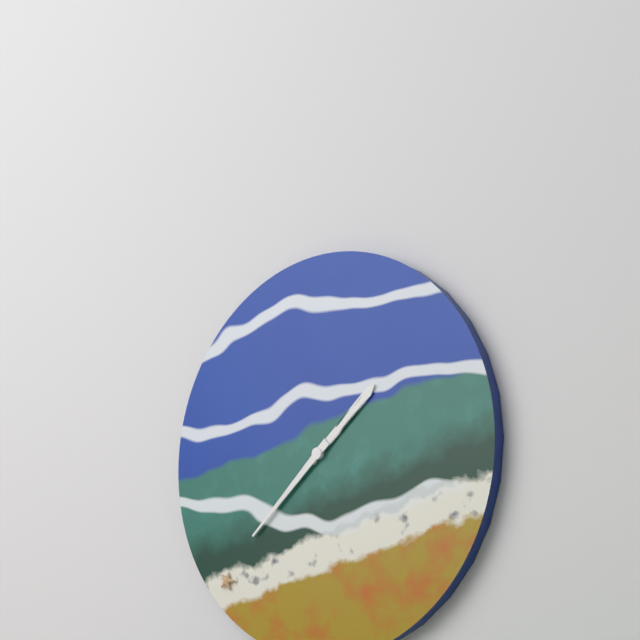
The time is **1:38**
